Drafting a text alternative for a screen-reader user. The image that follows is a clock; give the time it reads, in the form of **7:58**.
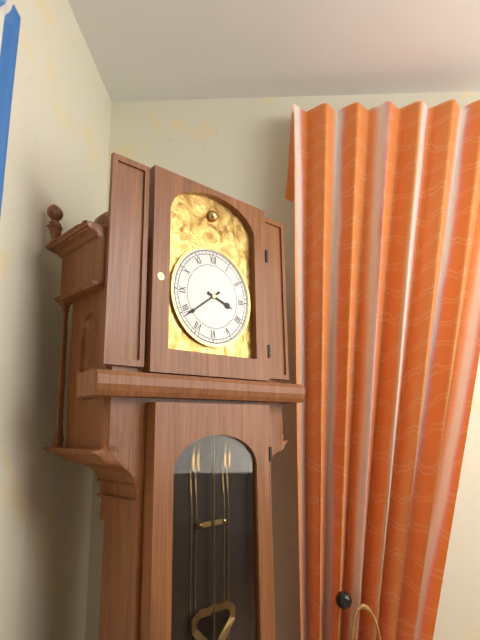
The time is **3:39**
